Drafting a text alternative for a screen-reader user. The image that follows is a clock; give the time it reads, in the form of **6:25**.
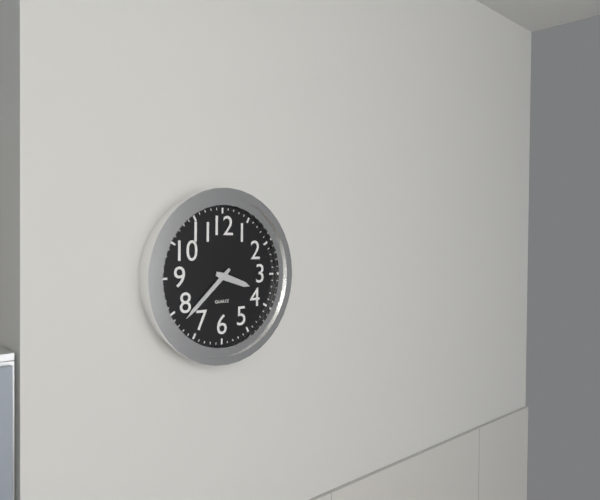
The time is **3:38**
